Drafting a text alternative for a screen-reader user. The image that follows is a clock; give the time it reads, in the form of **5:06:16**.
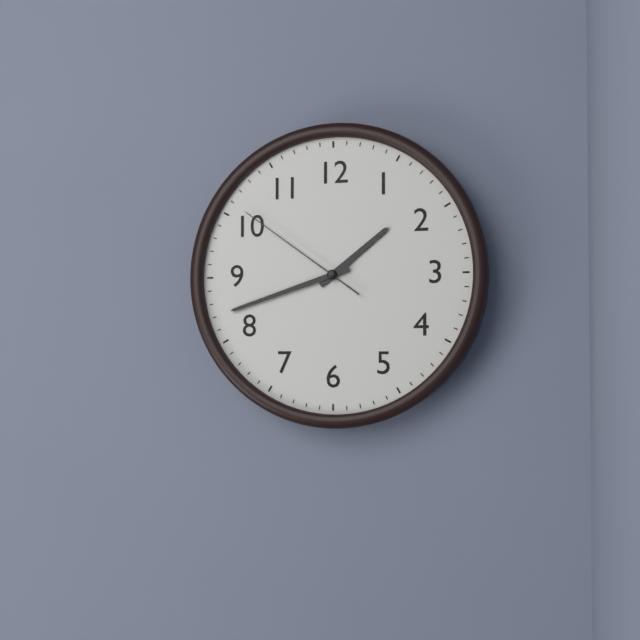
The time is **1:42:51**
